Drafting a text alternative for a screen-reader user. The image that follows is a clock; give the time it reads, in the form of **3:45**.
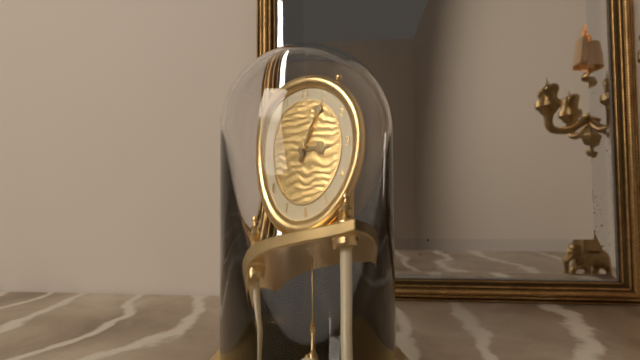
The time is **3:05**
